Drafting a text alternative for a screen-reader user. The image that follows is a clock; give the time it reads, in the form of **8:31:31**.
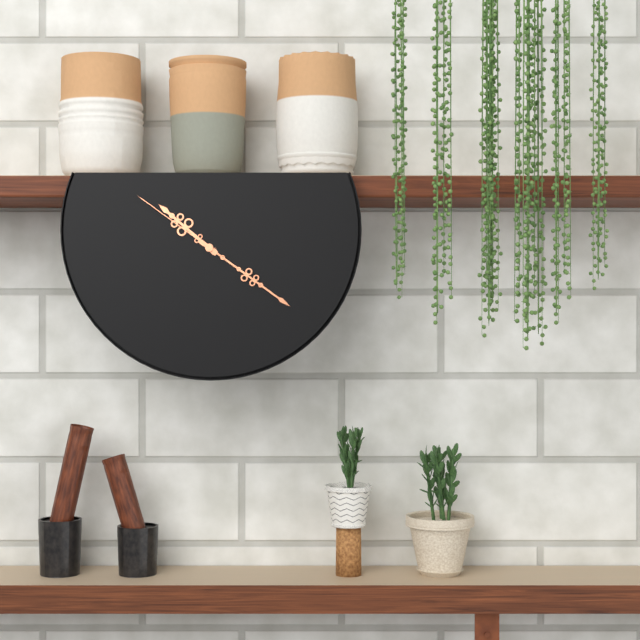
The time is **10:21:51**
